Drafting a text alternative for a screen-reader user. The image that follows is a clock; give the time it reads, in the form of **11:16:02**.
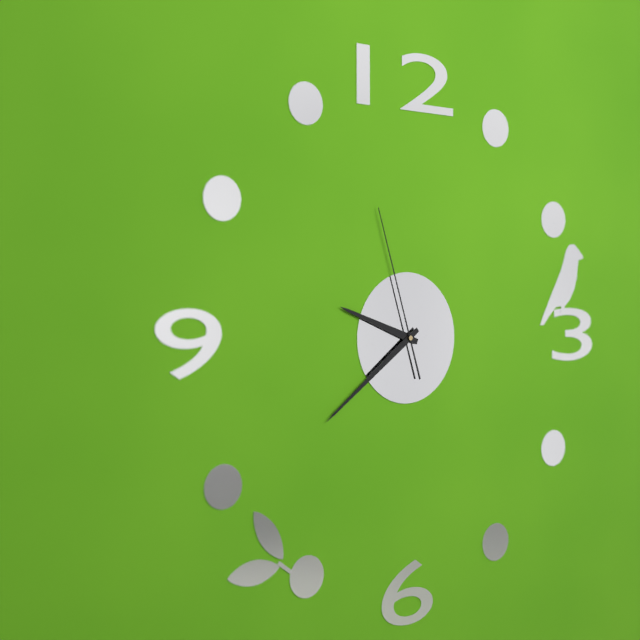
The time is **9:39:57**
